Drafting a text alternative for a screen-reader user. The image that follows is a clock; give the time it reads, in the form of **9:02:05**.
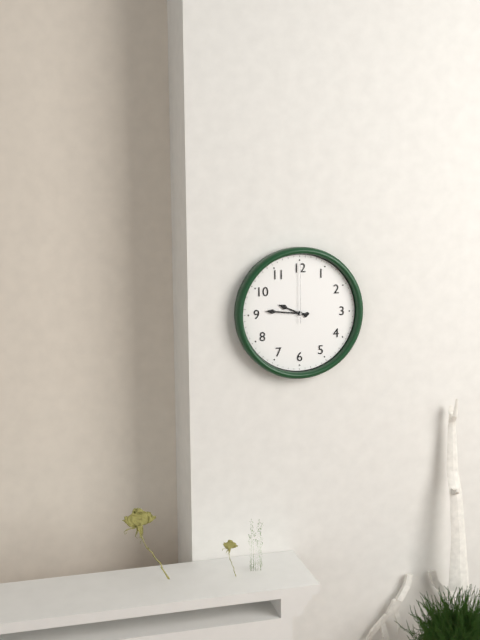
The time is **9:46:00**
